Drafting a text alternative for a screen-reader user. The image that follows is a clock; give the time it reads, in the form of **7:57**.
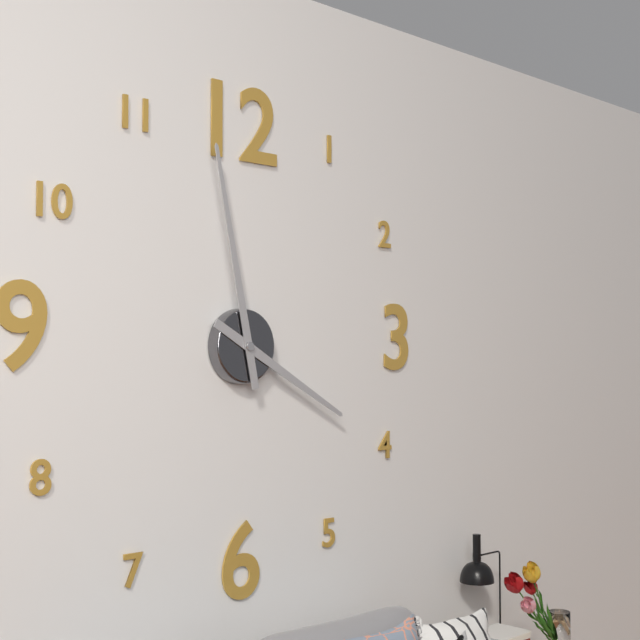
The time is **3:58**
